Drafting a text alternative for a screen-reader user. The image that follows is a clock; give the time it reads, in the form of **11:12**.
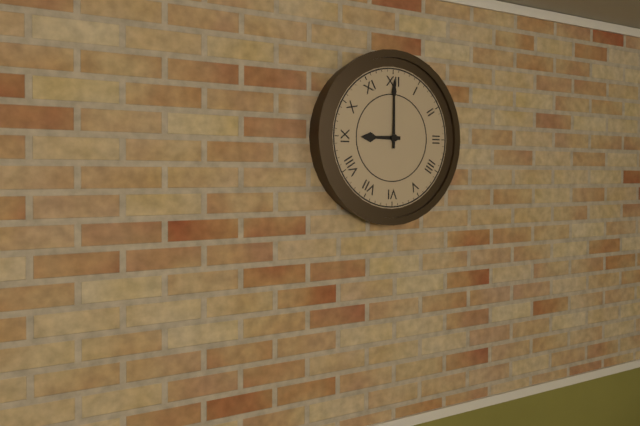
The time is **9:00**
